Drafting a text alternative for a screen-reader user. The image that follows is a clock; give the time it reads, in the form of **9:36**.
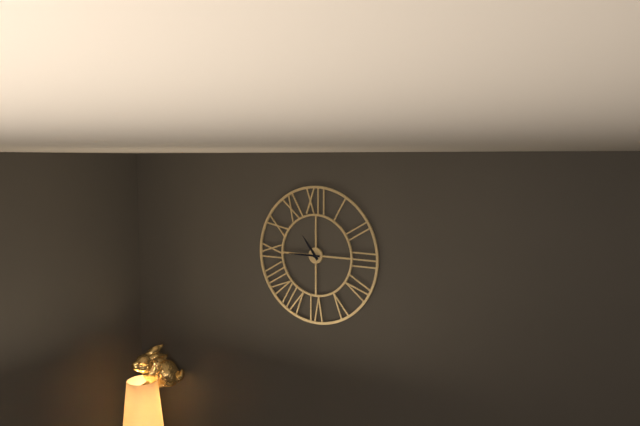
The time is **10:45**
